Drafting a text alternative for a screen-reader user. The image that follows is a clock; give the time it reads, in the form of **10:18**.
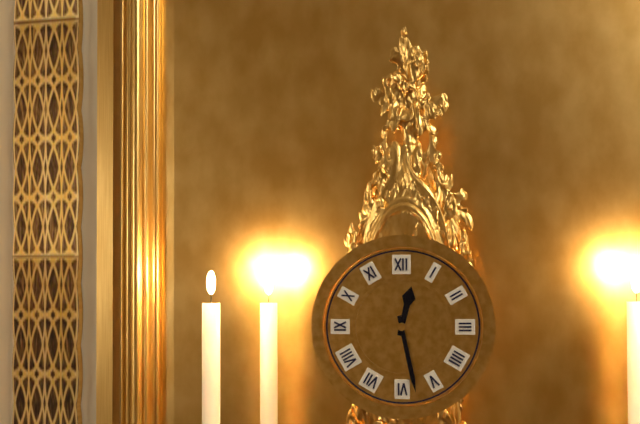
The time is **12:28**
